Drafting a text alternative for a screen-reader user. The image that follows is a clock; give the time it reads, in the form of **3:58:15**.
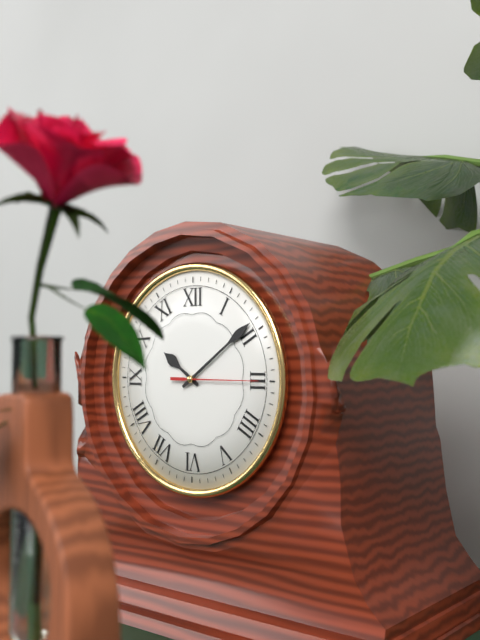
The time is **10:09:15**
